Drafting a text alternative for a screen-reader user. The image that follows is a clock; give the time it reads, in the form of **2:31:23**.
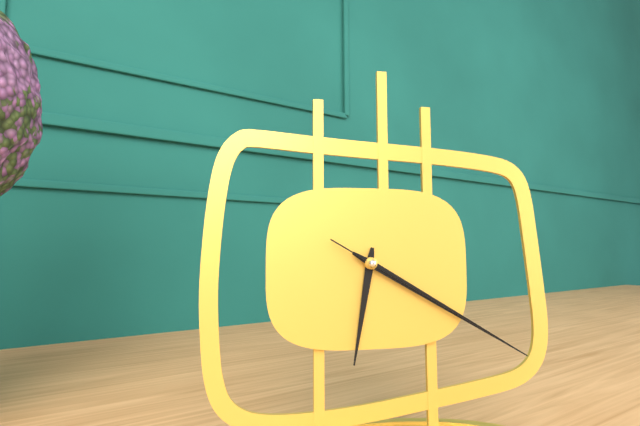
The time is **6:20:20**
